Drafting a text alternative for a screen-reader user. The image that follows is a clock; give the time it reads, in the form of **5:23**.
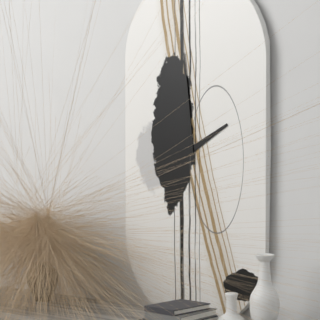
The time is **1:59**
